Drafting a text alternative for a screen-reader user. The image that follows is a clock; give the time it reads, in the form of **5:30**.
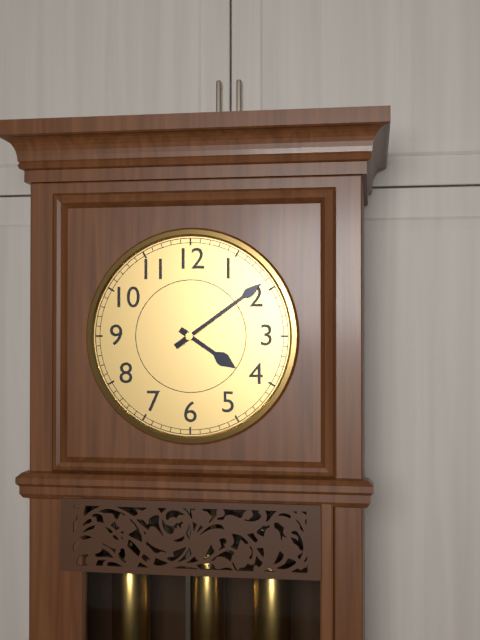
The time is **4:09**
